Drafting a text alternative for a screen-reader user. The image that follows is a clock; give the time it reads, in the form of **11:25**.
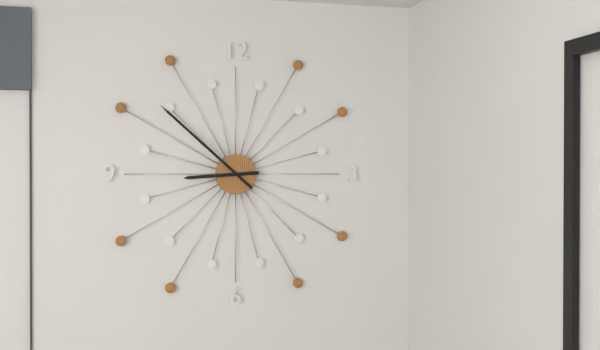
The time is **8:52**
